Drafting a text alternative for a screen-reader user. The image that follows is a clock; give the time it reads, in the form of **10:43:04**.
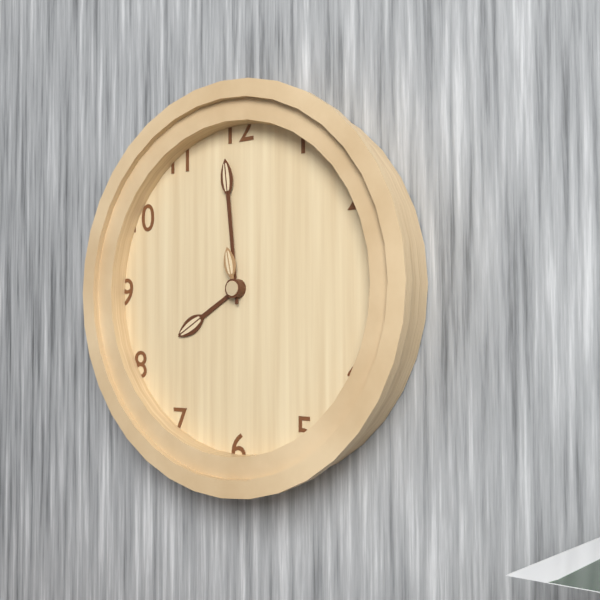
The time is **7:59:58**
